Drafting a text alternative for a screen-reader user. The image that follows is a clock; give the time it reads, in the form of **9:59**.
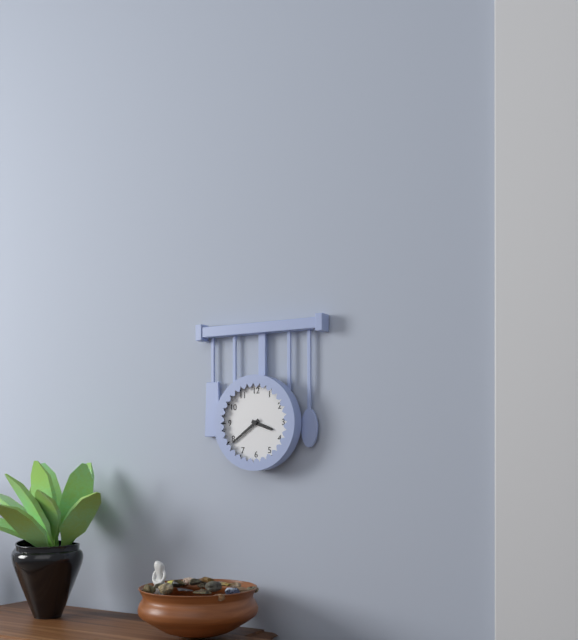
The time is **3:39**
